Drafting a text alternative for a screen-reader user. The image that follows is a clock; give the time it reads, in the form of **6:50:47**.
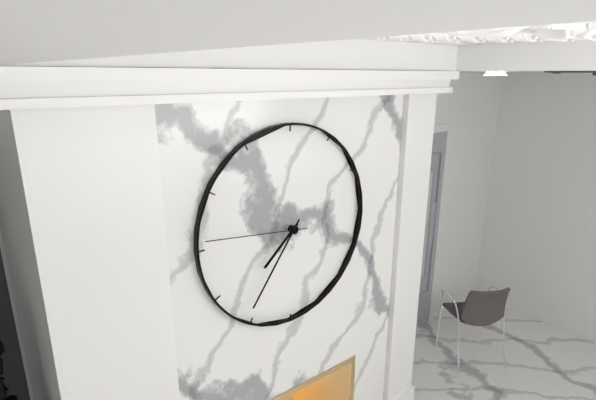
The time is **7:36:46**
